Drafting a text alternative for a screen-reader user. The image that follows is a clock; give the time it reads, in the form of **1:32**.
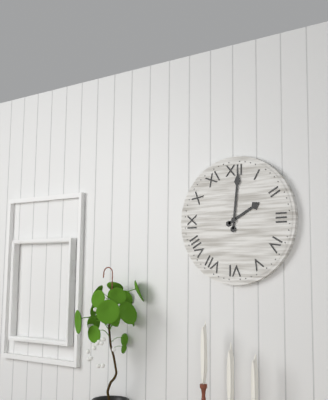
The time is **2:01**
